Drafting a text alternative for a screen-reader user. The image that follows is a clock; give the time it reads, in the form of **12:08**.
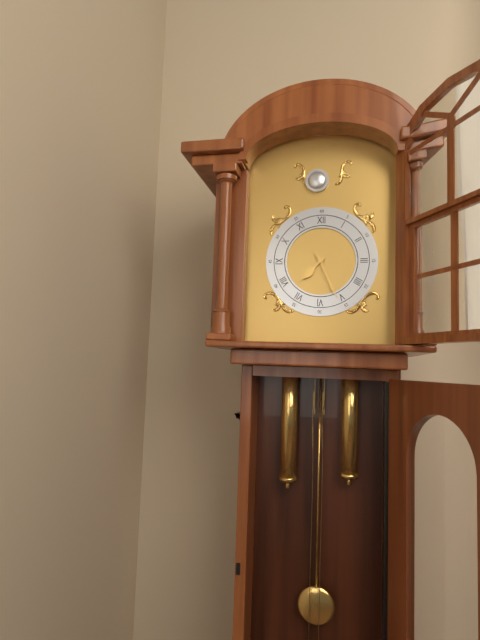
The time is **7:26**
